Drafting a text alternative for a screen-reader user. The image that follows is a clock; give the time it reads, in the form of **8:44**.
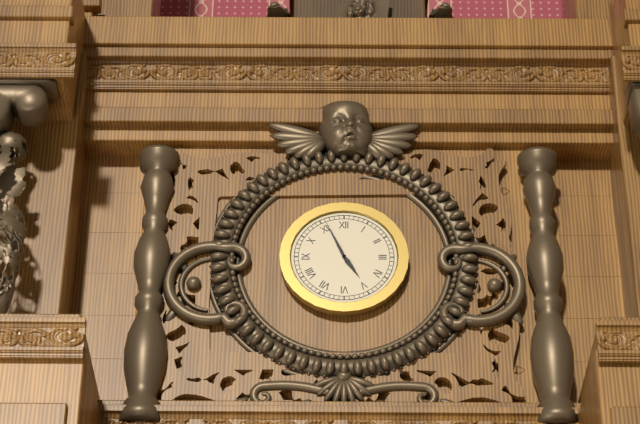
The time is **4:56**
